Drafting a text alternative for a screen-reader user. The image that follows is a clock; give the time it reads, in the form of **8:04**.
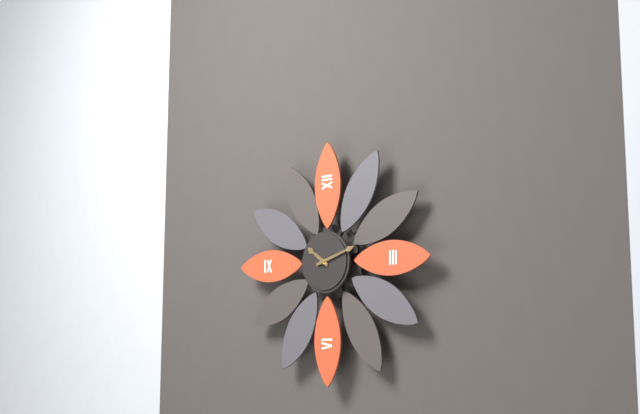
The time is **10:12**
